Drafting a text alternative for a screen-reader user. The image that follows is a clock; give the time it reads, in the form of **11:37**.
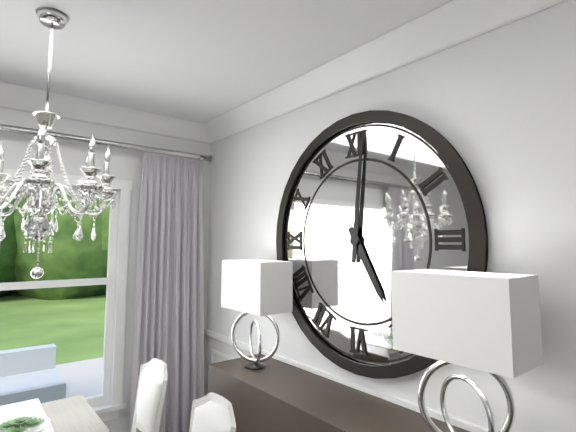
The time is **5:01**
